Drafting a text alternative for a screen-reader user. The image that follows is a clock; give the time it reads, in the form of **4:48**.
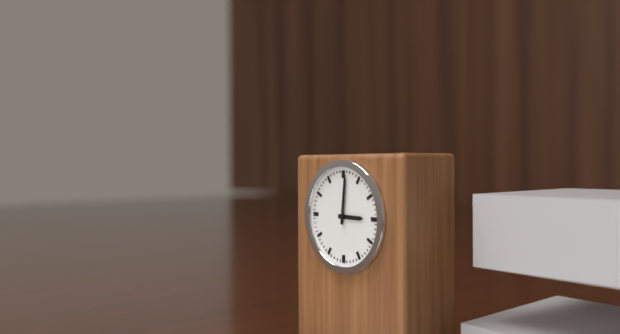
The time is **3:01**
